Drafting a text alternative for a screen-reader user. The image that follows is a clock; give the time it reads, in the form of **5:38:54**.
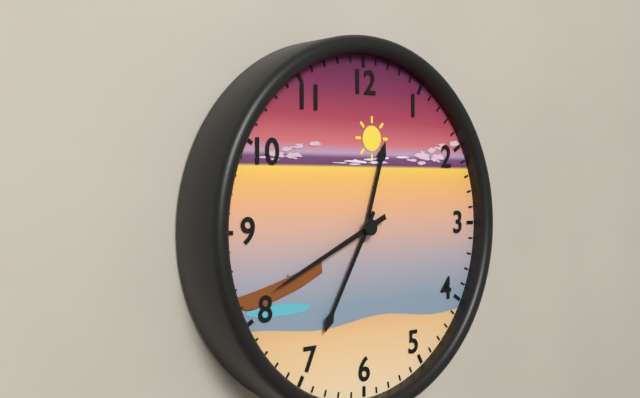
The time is **12:35:41**
